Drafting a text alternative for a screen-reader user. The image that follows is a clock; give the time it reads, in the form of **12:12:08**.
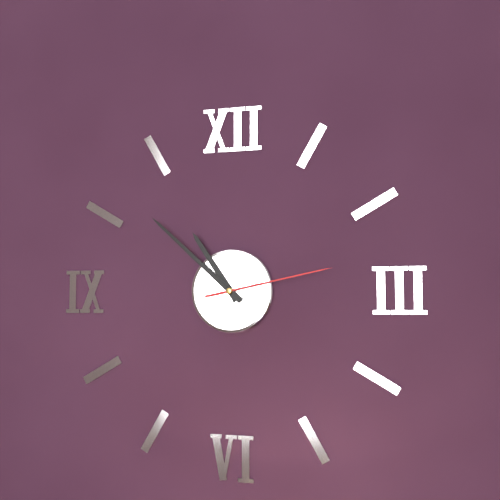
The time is **10:52:13**
